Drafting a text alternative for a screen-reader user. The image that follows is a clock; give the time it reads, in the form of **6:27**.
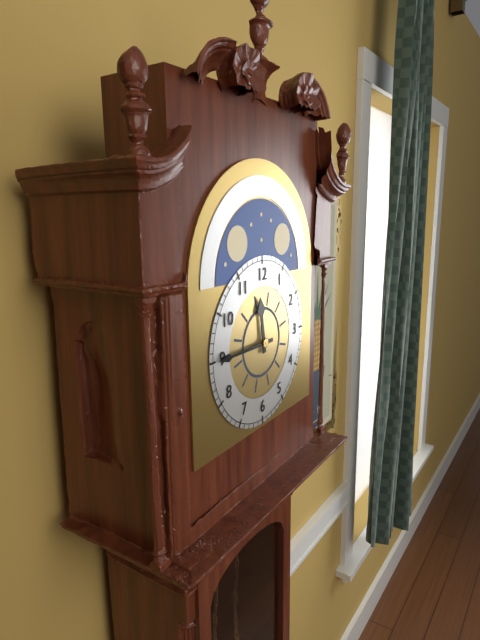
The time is **11:45**
